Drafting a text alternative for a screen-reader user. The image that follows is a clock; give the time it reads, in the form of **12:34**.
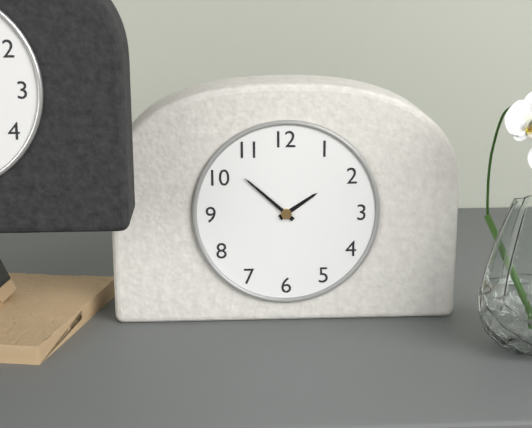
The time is **1:52**
